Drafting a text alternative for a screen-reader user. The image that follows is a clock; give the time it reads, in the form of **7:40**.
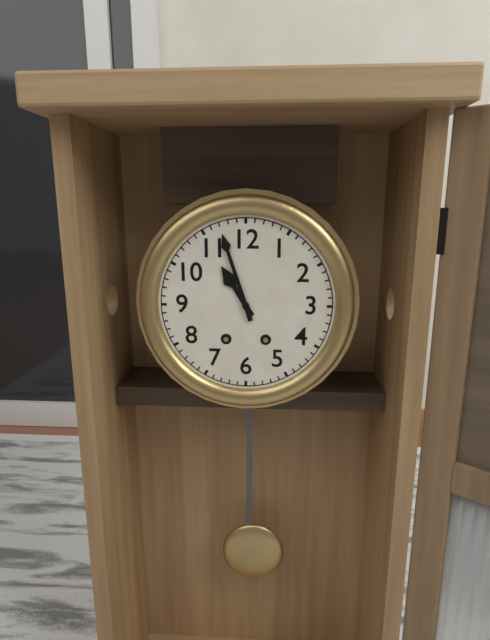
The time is **10:57**
